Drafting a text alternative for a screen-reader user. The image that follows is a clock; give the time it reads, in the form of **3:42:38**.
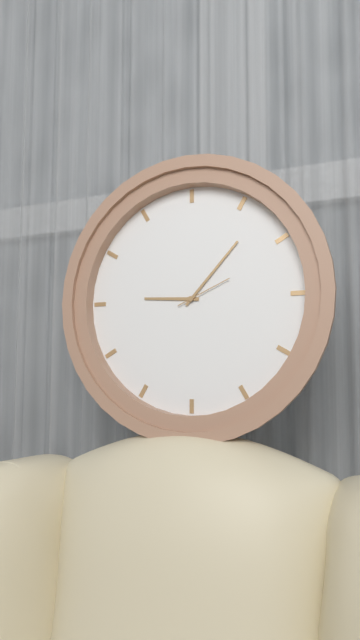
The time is **9:07:11**
